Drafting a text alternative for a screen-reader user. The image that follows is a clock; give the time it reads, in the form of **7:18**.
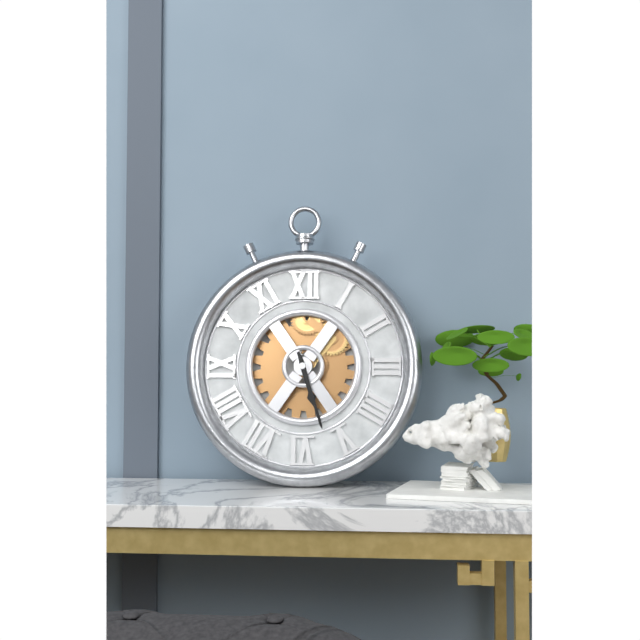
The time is **5:27**
